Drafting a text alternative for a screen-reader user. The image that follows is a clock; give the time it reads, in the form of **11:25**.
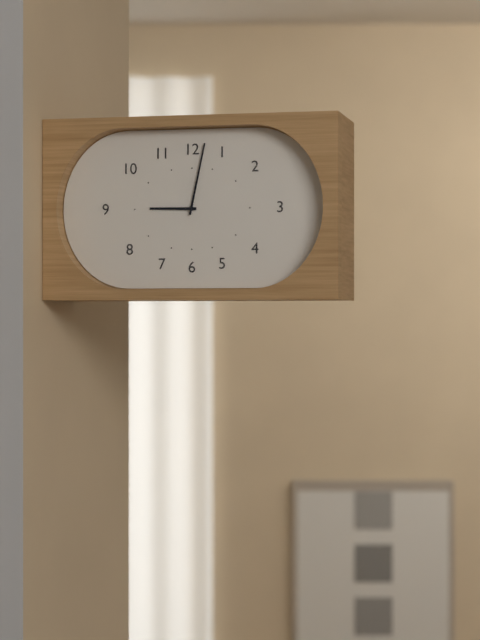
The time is **9:02**
